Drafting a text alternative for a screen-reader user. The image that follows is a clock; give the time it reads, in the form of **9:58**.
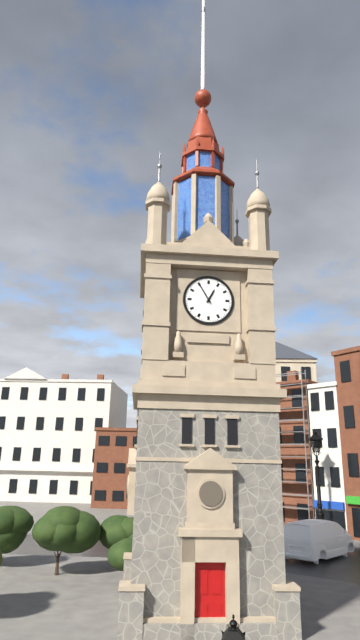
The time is **12:55**
